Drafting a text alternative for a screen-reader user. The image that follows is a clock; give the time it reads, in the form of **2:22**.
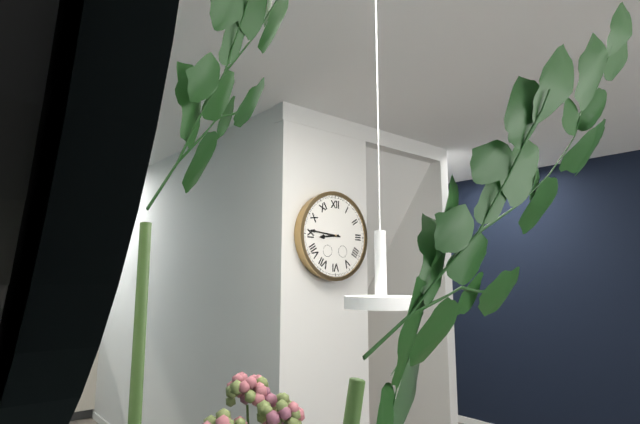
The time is **8:46**
